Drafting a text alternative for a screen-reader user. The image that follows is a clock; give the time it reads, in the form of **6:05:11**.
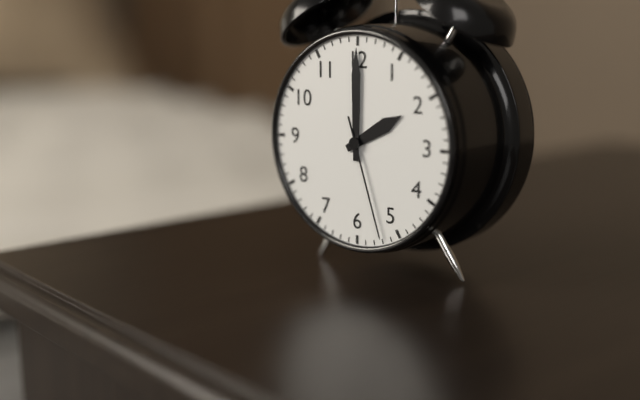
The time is **2:00:27**
